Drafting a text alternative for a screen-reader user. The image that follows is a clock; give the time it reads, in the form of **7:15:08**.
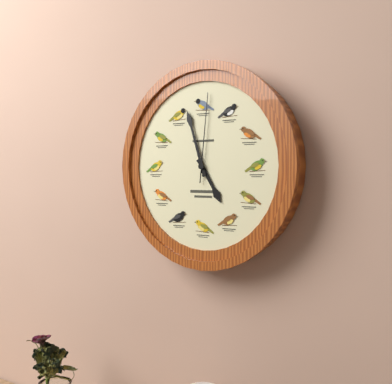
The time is **4:57:01**
